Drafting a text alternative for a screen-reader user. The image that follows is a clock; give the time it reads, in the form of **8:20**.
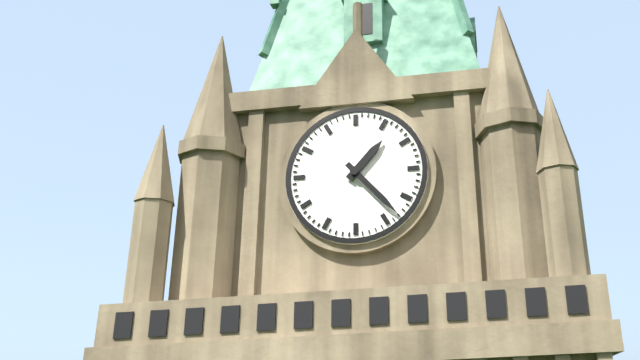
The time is **1:23**
